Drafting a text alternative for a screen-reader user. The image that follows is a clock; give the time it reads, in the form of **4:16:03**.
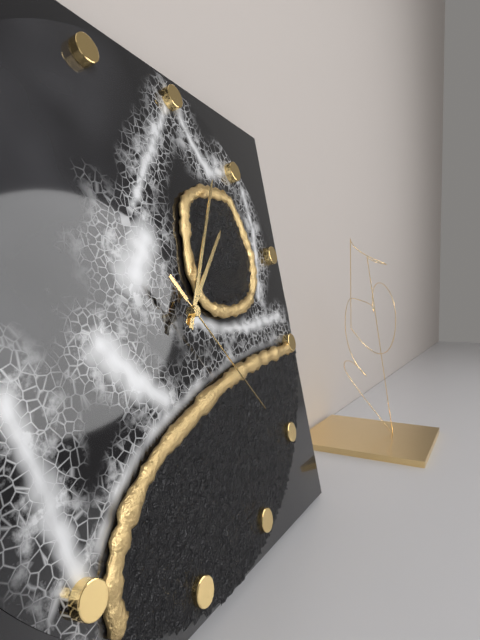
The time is **1:03:21**
